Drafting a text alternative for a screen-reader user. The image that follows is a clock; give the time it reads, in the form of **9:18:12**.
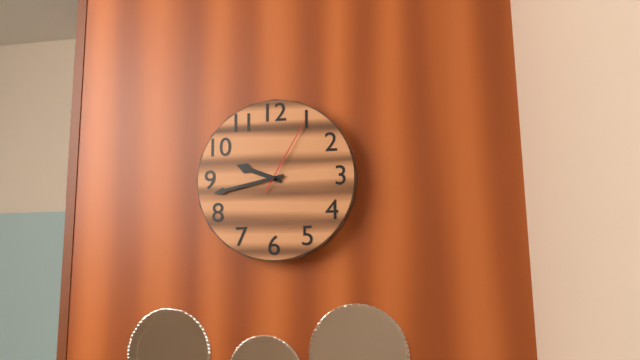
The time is **9:43:05**
